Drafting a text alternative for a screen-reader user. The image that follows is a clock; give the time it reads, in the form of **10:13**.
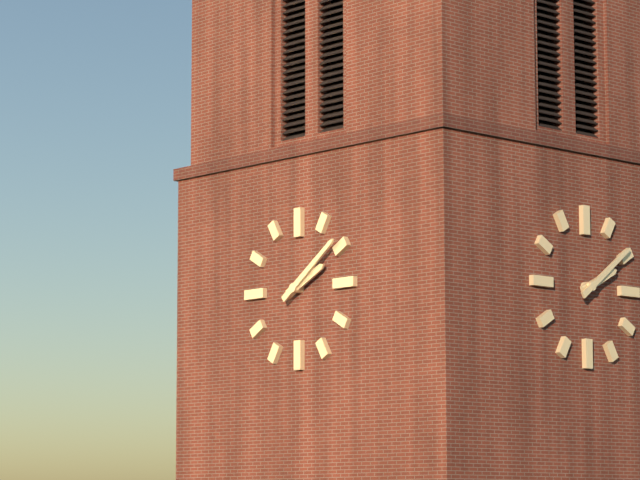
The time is **2:09**
